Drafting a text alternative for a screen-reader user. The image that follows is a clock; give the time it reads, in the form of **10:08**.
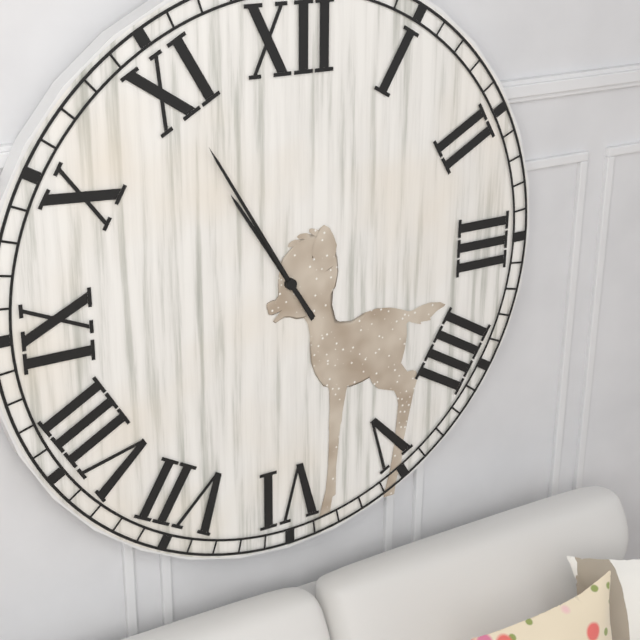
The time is **10:55**
